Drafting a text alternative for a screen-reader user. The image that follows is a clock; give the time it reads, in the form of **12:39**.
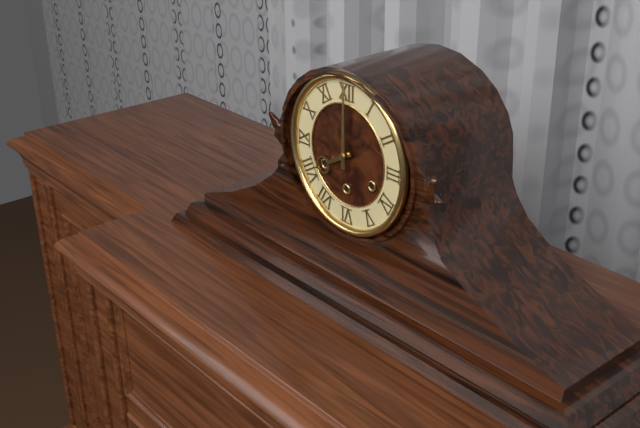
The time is **8:00**
